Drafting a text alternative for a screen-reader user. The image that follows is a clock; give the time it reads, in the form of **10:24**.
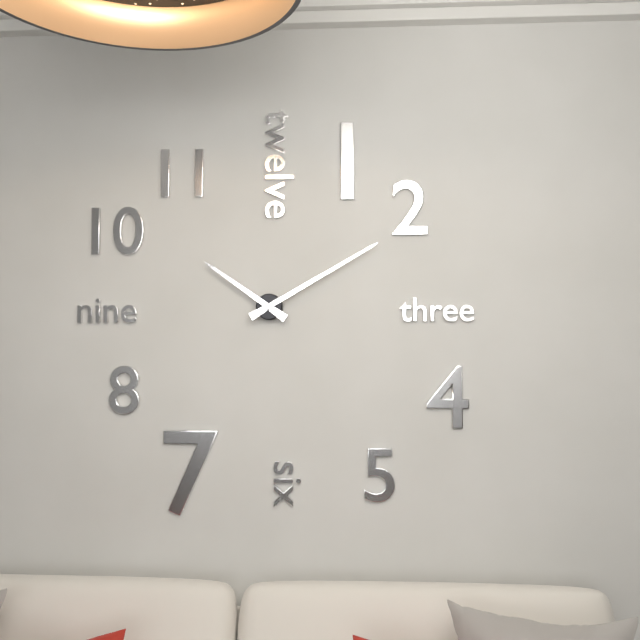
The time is **10:10**
